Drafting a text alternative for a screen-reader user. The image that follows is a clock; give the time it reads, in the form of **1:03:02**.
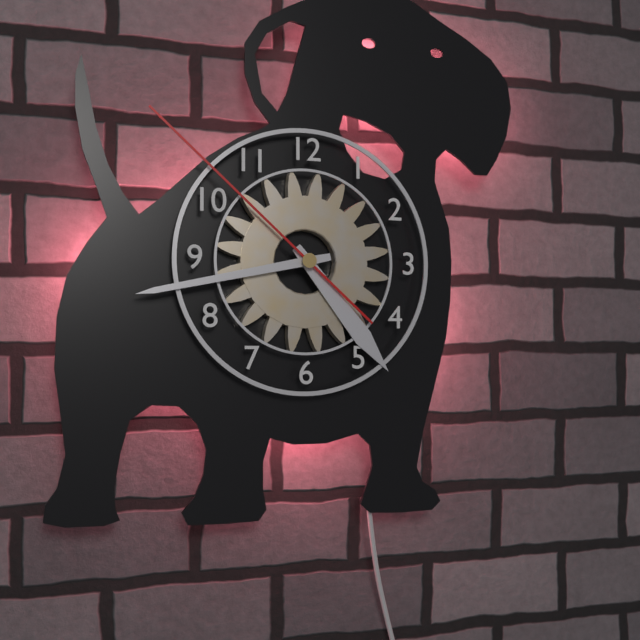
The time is **4:43:52**
